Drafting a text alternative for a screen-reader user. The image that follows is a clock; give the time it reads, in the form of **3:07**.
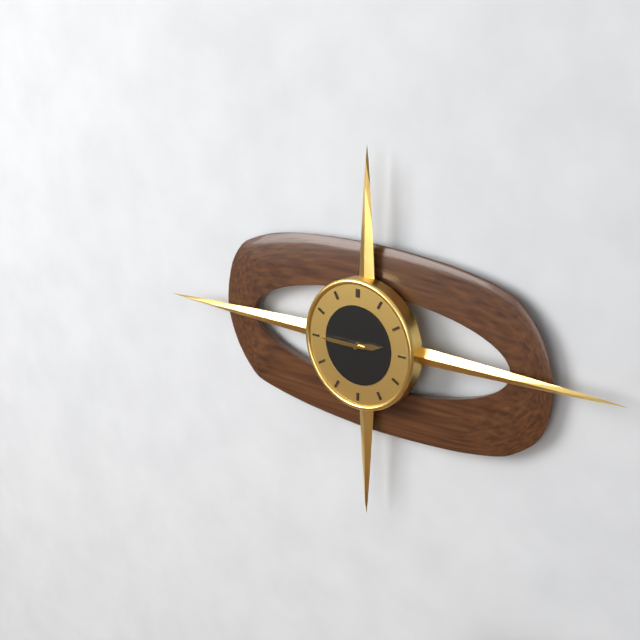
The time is **2:45**
